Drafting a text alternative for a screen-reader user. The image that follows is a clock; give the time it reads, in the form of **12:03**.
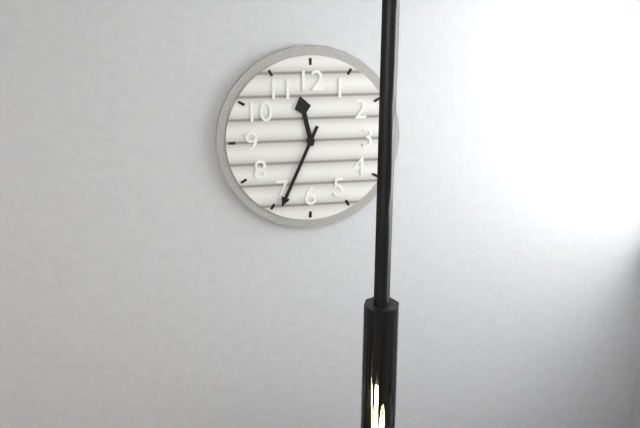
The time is **11:34**
